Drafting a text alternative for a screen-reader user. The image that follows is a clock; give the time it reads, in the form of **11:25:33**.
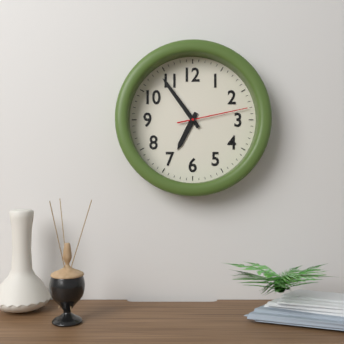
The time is **6:54:13**
